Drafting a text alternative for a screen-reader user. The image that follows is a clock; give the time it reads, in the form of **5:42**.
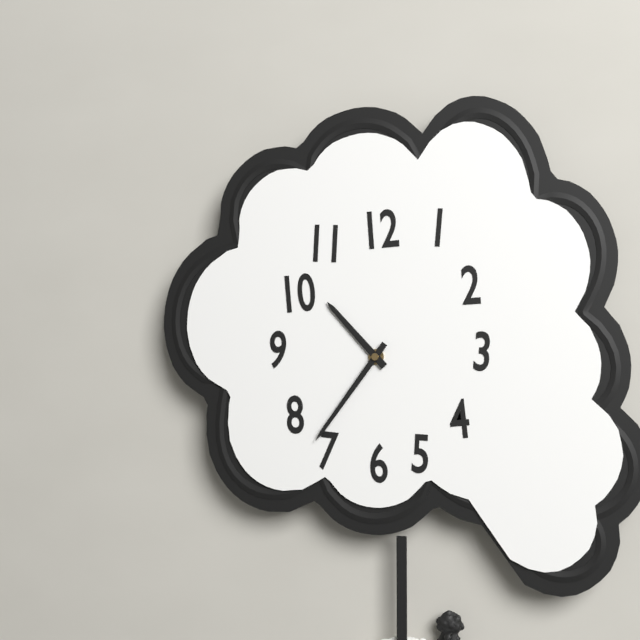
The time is **10:36**
